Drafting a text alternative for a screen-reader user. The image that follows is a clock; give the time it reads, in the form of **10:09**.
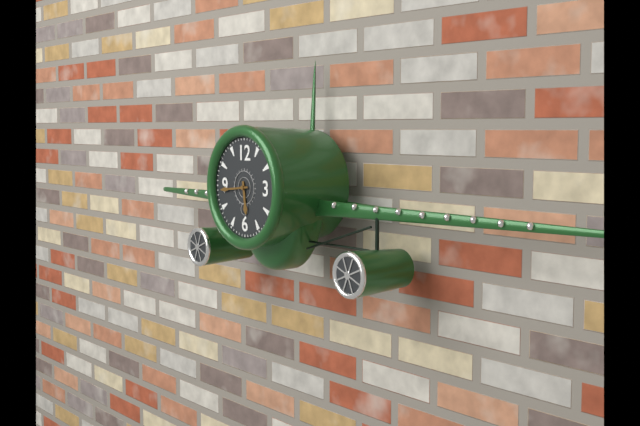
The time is **5:44**
